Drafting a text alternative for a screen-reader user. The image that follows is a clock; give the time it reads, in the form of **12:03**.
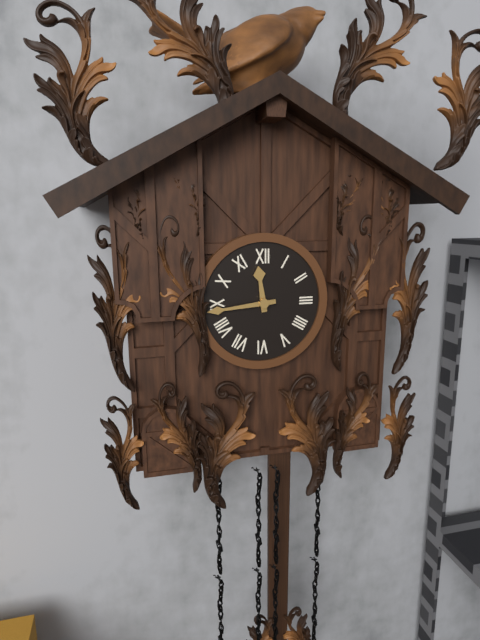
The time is **11:44**
